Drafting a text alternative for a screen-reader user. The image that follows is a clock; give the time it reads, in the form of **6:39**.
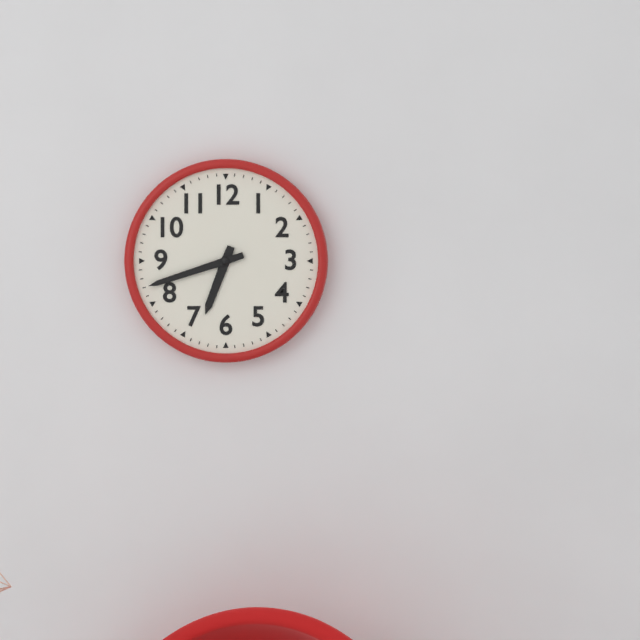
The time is **6:42**
